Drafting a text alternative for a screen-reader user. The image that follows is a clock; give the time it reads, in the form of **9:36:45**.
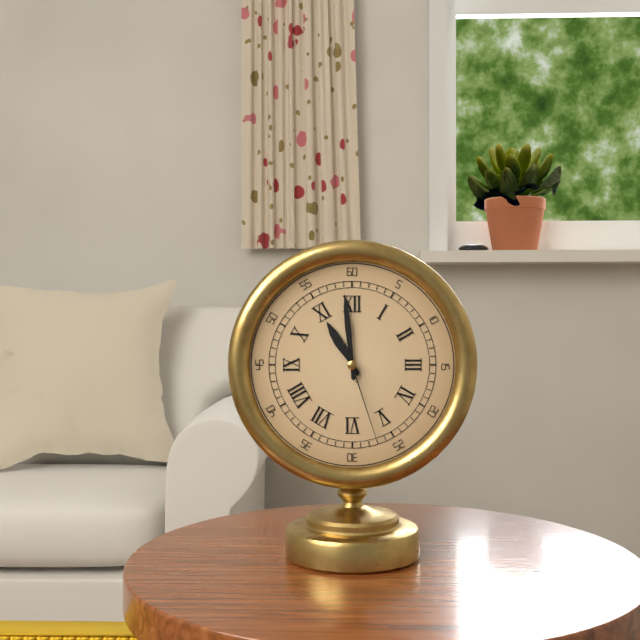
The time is **10:59:27**
